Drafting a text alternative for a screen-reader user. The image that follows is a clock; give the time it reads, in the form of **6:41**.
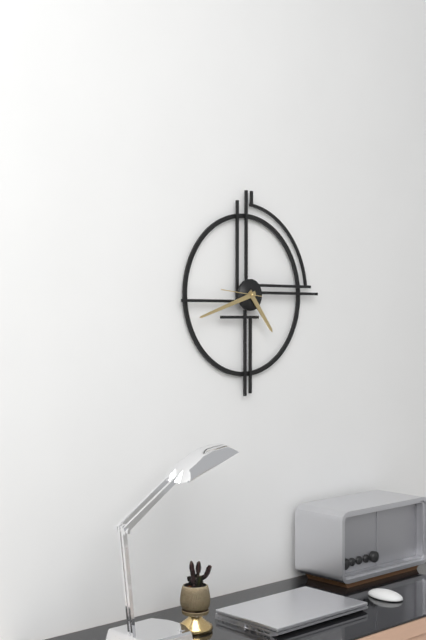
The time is **4:42**
